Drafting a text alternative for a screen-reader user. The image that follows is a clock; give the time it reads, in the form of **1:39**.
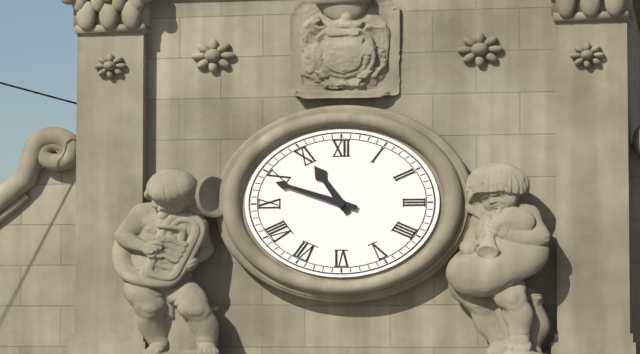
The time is **10:48**
